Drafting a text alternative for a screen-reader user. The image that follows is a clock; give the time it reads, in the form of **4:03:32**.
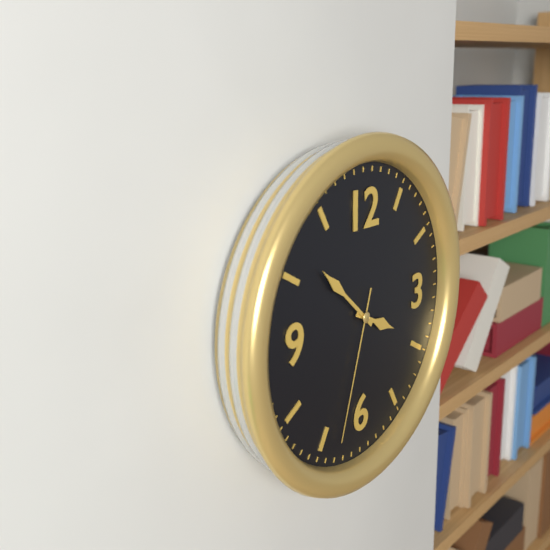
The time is **3:52:33**
